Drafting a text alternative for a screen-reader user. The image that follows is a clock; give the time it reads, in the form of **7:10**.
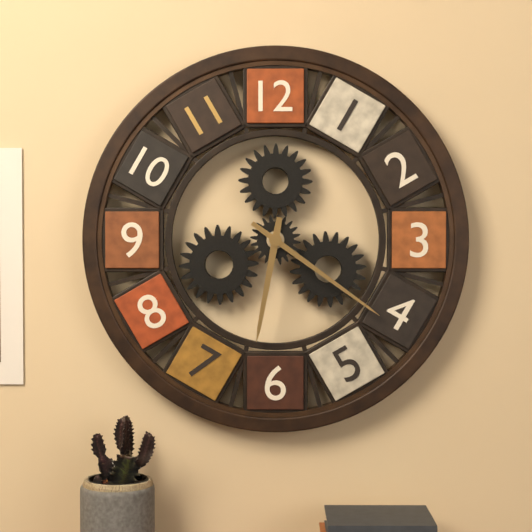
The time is **6:21**
